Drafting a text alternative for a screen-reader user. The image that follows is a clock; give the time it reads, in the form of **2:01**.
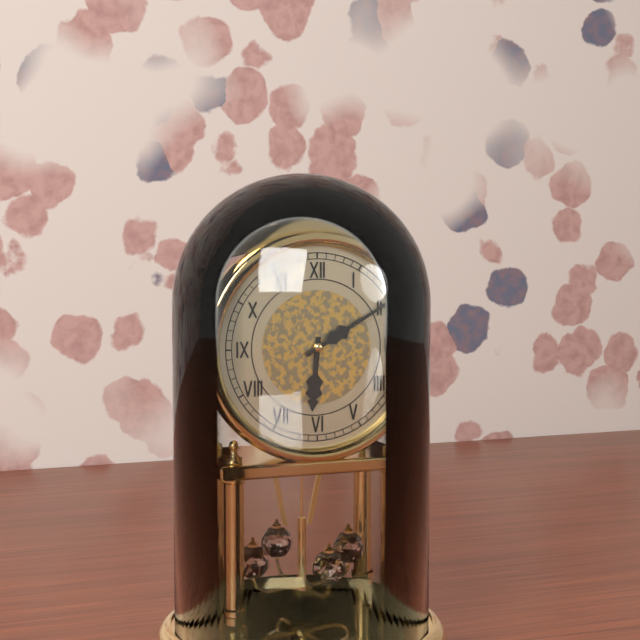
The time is **6:10**
